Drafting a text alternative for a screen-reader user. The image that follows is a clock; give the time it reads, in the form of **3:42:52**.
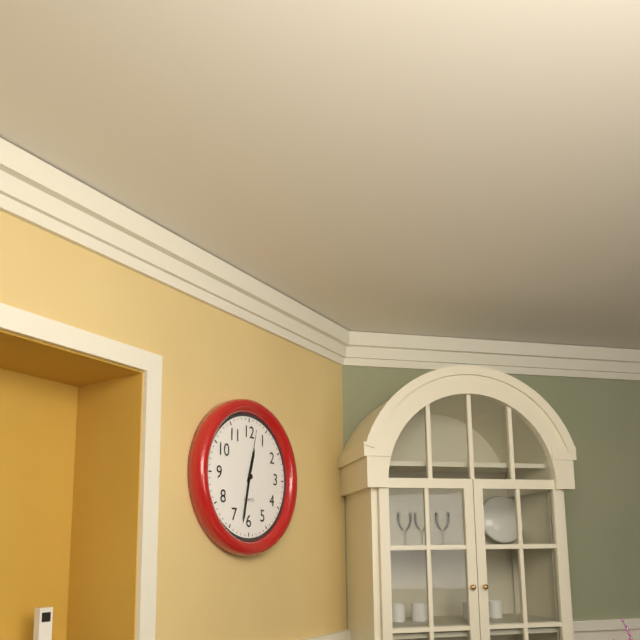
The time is **12:32:02**
